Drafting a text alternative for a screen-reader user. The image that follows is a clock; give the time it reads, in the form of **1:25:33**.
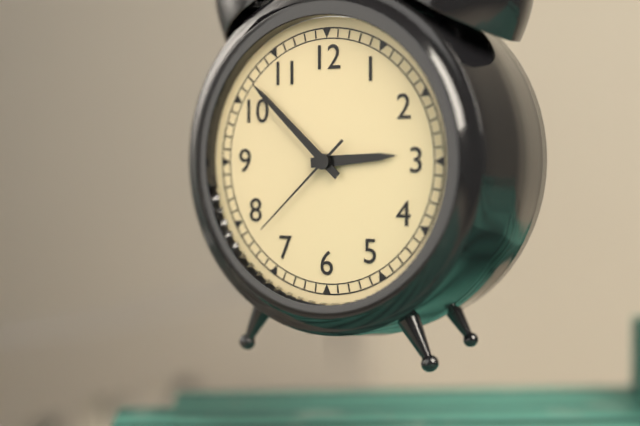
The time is **2:52:38**
